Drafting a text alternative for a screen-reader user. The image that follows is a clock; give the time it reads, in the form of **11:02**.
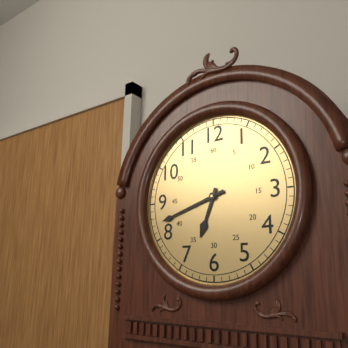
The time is **6:42**
